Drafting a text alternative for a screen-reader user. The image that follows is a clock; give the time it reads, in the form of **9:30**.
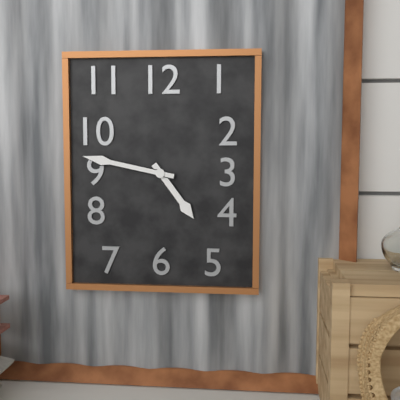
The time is **4:47**
